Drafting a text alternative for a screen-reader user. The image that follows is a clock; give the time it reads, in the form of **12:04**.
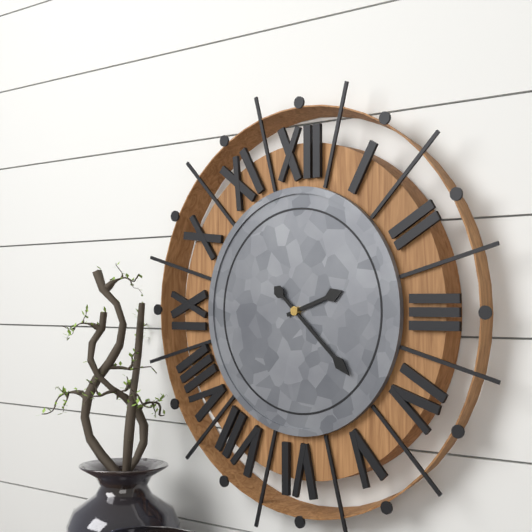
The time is **2:22**
